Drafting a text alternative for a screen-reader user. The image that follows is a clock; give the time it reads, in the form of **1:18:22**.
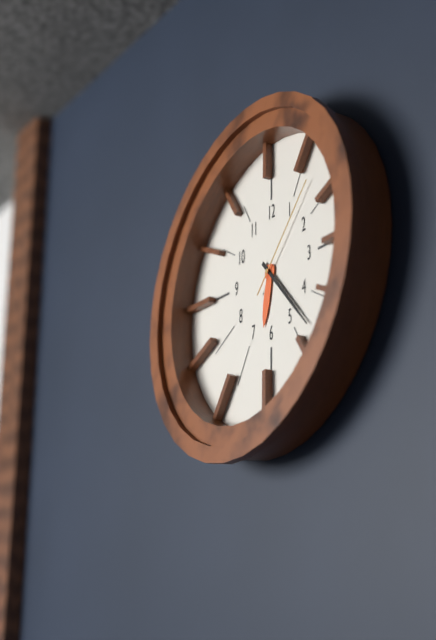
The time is **6:23:07**
